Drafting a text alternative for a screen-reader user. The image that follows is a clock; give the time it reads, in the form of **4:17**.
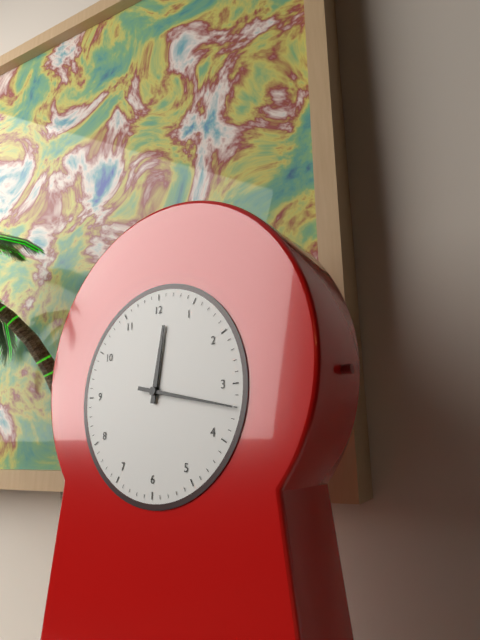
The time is **12:17**
